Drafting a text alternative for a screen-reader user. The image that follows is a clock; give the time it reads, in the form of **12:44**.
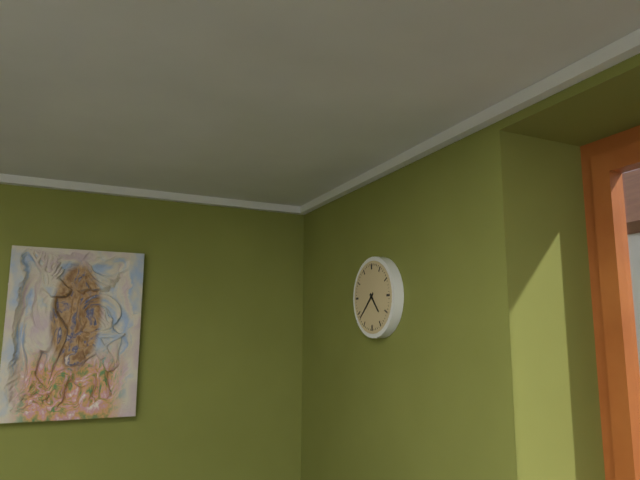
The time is **4:38**
